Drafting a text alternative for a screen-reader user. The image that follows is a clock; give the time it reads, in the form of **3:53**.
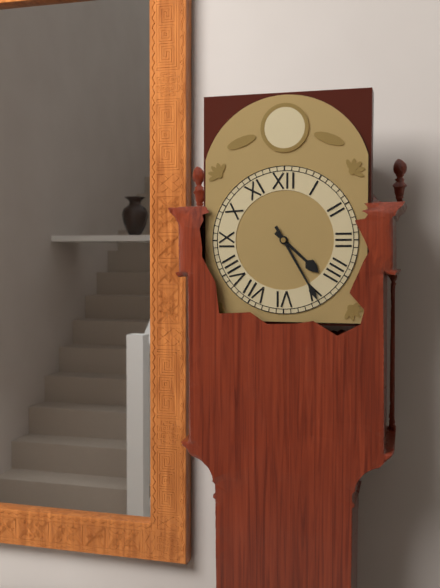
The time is **4:25**
